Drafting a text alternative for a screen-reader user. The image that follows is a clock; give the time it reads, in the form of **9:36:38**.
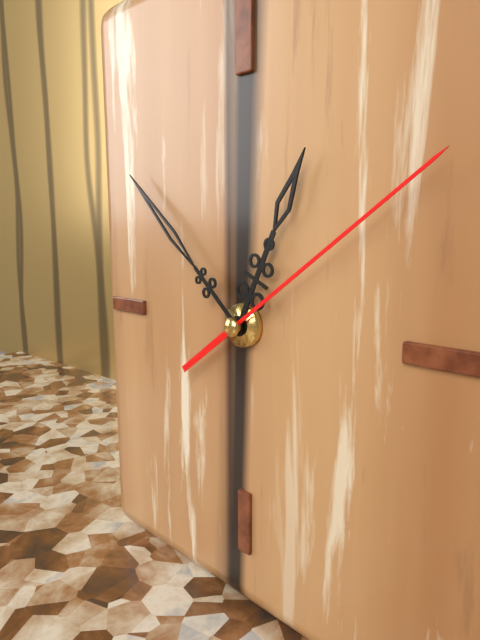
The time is **12:52:09**
